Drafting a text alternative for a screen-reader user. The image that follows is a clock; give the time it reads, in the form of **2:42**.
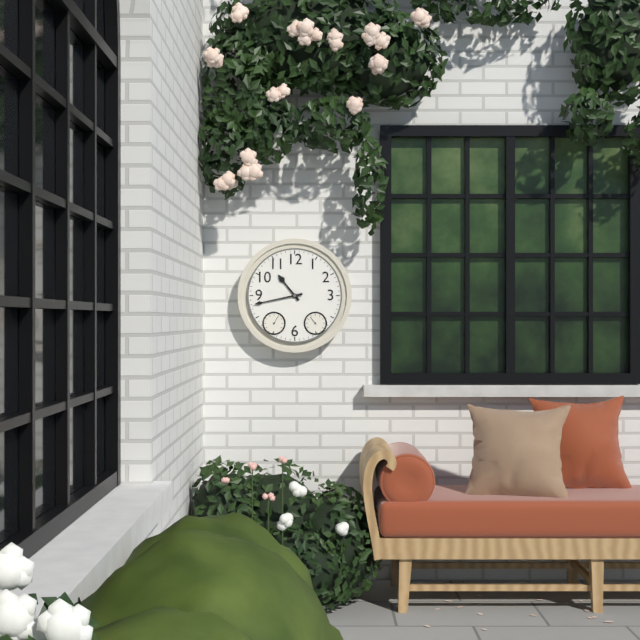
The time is **10:43**
